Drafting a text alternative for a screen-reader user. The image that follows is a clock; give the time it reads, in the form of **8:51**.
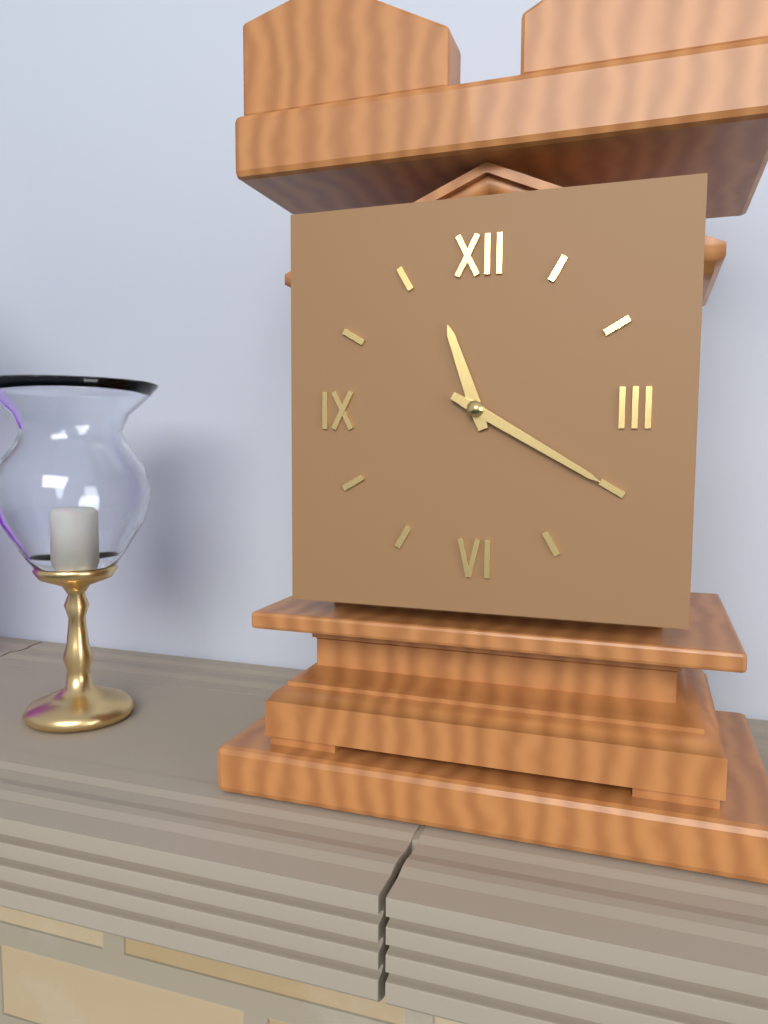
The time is **11:20**
